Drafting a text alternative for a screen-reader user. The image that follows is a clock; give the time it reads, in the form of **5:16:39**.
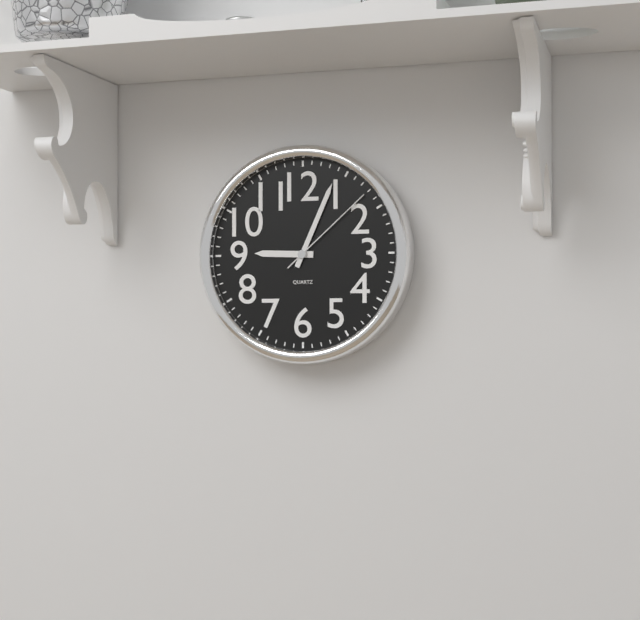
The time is **9:04:08**
